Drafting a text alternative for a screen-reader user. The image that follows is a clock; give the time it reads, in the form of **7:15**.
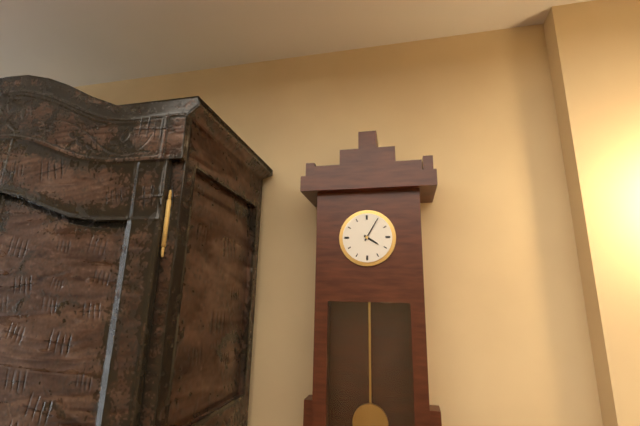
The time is **4:05**
